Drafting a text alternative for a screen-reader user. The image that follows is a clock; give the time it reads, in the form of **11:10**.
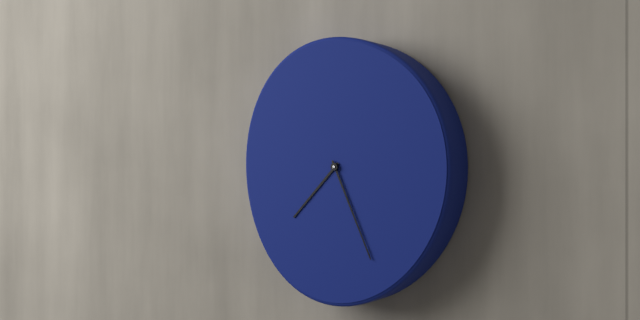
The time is **7:26**
